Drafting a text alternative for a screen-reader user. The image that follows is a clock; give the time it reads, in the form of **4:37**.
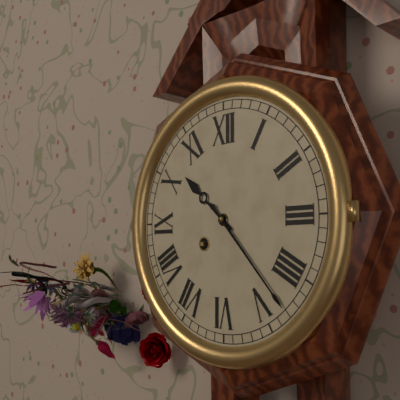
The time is **10:23**
